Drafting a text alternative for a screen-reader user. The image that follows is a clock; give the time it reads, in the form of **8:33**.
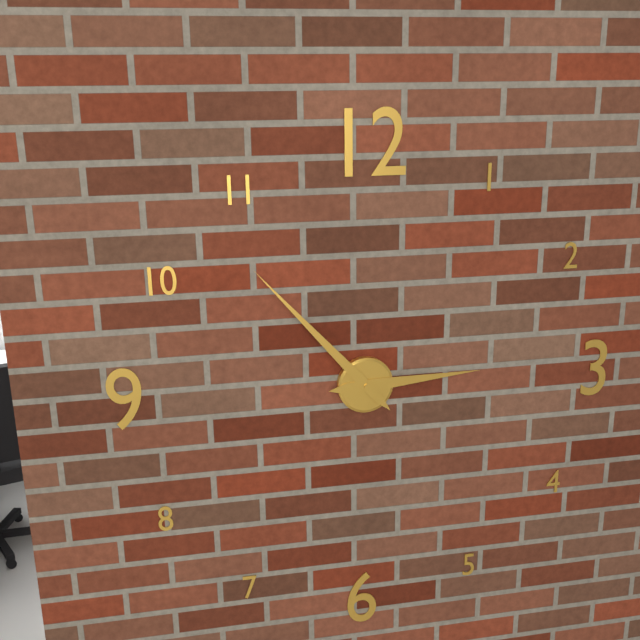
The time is **2:53**
